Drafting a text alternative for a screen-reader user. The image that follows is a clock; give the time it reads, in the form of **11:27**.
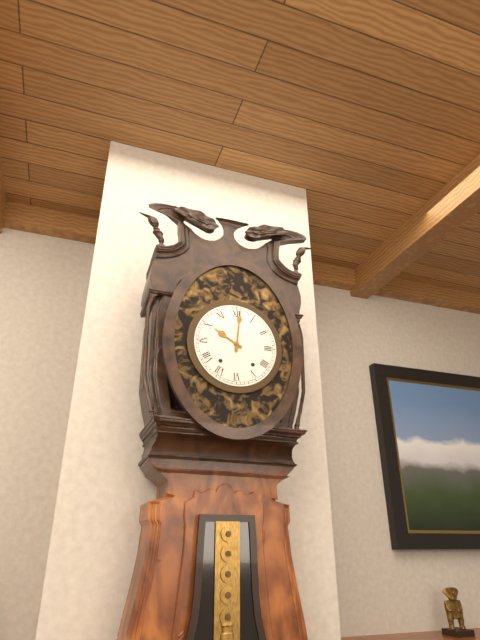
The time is **10:01**
